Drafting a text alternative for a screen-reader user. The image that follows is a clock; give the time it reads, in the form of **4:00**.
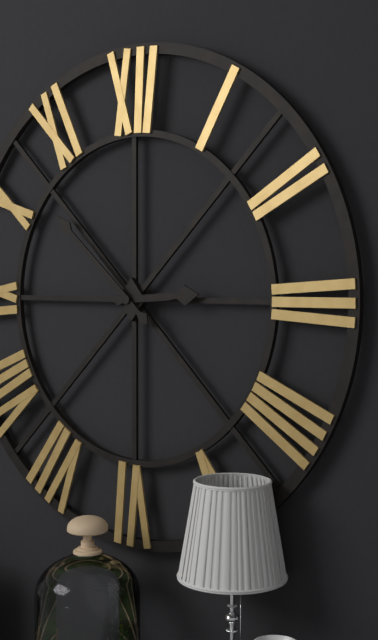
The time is **2:52**
